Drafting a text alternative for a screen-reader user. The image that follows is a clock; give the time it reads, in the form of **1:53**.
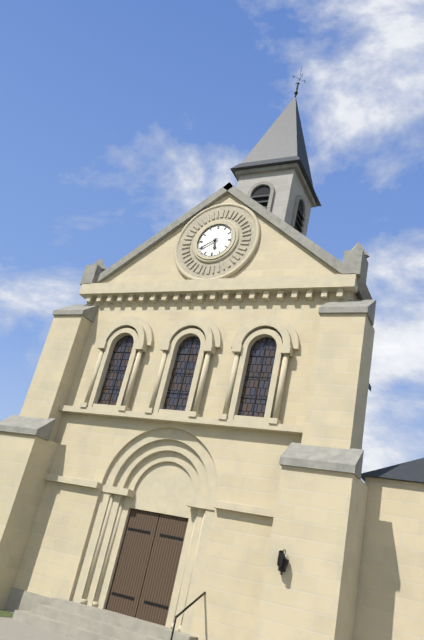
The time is **5:40**
